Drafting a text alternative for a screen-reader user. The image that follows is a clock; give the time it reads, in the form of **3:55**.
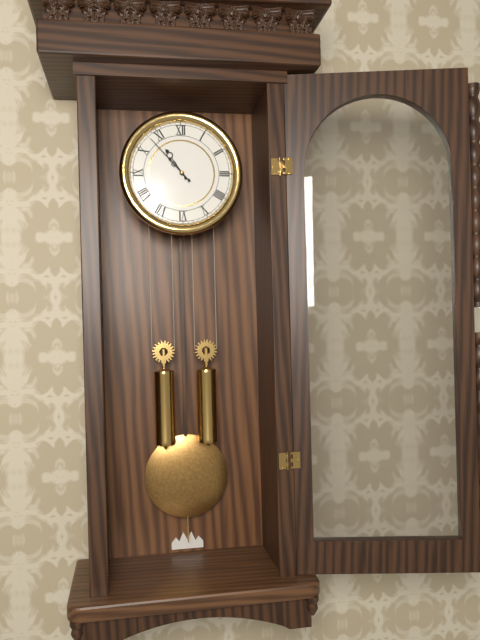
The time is **10:53**
